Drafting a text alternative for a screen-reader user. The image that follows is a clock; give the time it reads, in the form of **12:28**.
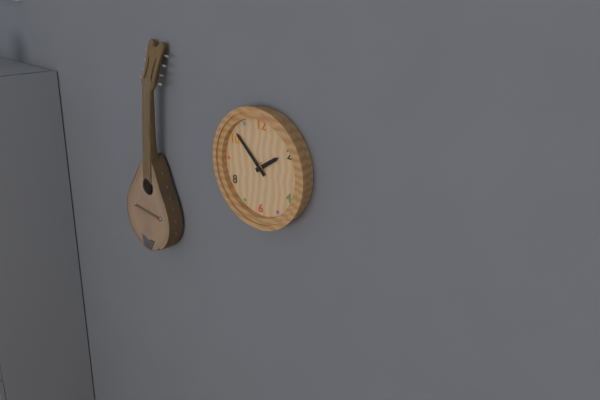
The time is **1:52**
